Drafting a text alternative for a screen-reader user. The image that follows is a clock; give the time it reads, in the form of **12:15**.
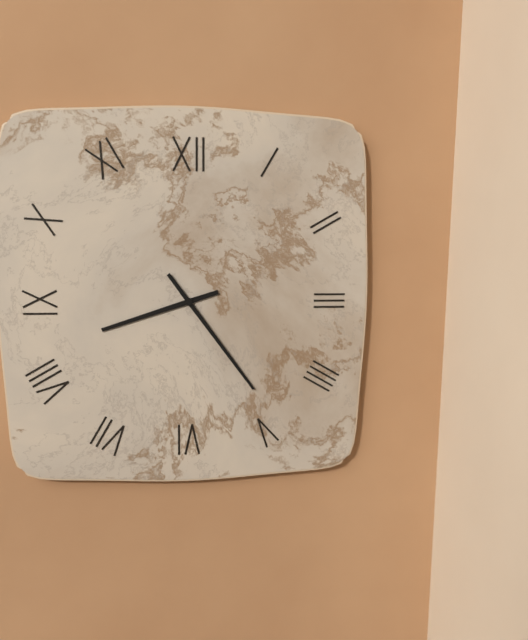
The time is **8:24**
